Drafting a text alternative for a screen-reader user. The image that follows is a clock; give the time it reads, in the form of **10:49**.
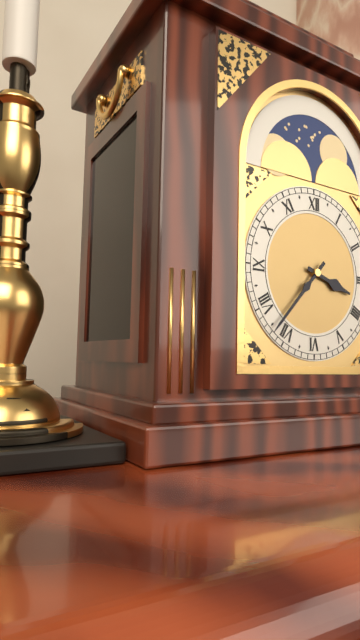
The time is **3:37**
